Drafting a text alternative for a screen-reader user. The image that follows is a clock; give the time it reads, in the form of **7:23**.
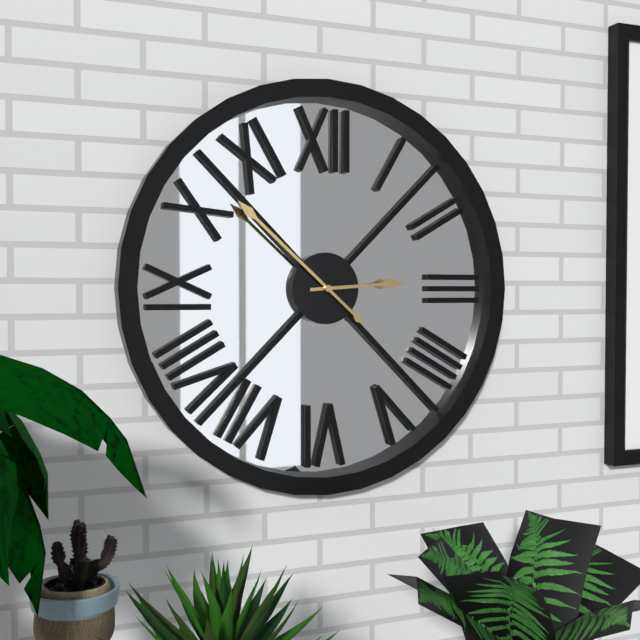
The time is **2:52**
